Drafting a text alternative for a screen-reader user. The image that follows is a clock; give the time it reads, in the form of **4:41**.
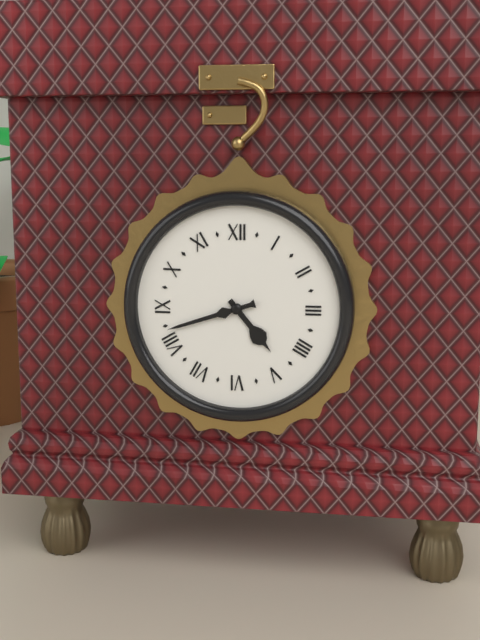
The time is **4:42**
